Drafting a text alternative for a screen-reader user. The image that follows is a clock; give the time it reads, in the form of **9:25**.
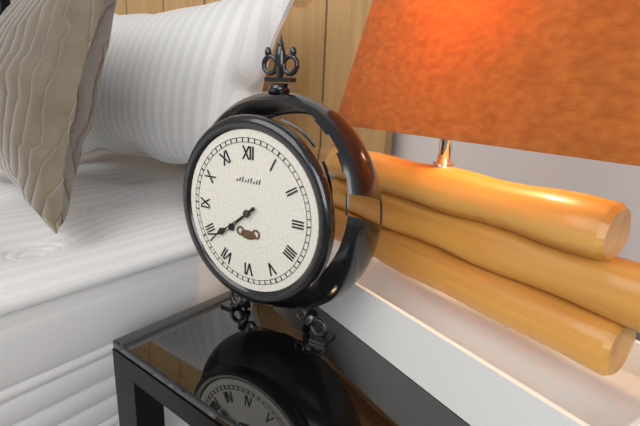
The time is **7:39**
